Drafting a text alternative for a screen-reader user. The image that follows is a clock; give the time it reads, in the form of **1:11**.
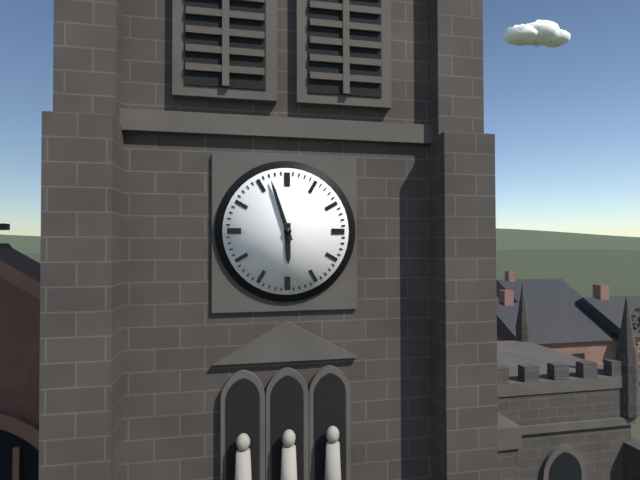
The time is **5:57**
